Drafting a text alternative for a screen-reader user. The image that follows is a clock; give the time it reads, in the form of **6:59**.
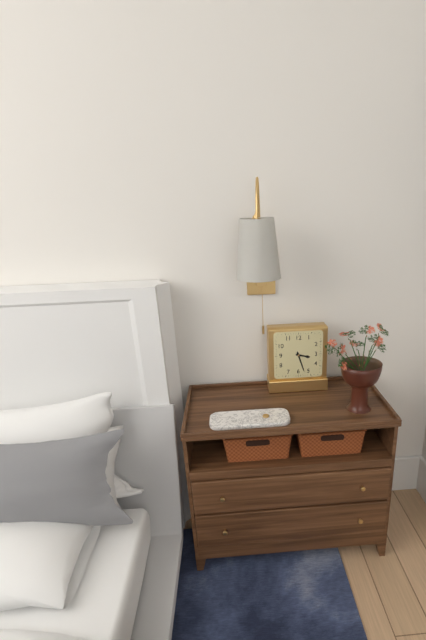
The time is **3:27**
